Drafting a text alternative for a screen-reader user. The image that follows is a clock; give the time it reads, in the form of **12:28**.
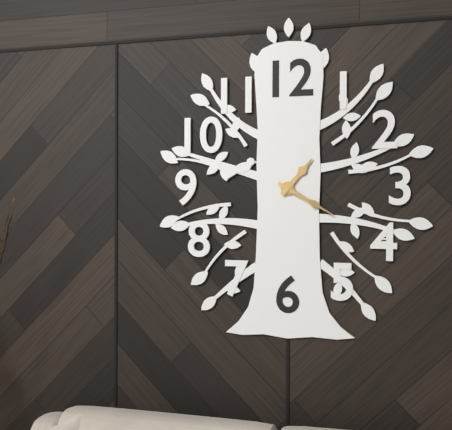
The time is **1:20**
